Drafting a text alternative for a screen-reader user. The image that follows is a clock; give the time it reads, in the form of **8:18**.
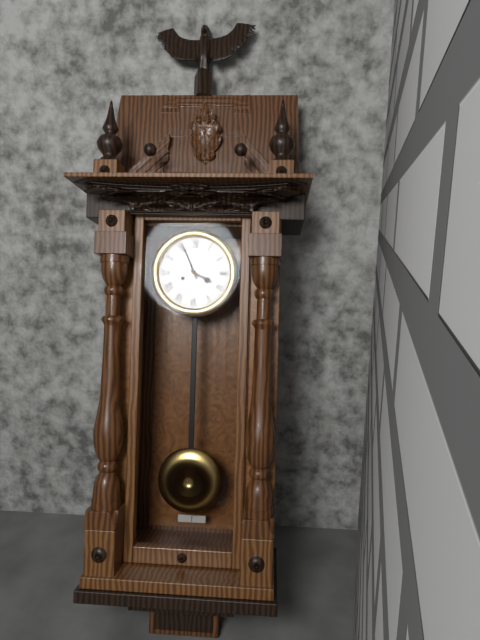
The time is **3:56**
